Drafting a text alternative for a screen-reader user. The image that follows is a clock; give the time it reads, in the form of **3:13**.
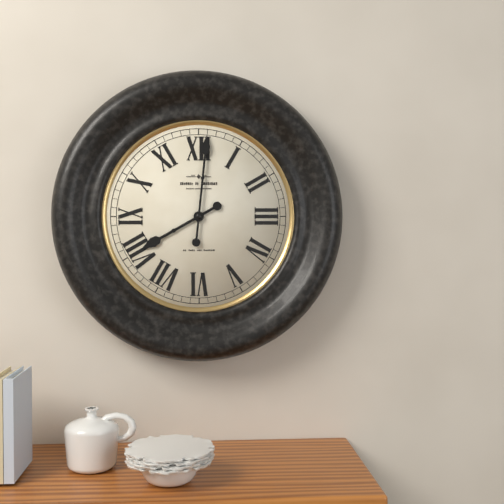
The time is **8:01**
